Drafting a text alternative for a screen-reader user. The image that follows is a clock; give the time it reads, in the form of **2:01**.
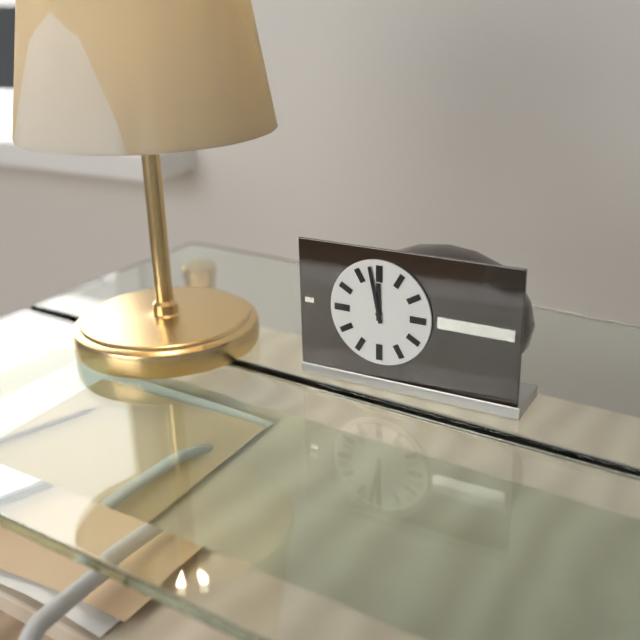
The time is **11:58**
